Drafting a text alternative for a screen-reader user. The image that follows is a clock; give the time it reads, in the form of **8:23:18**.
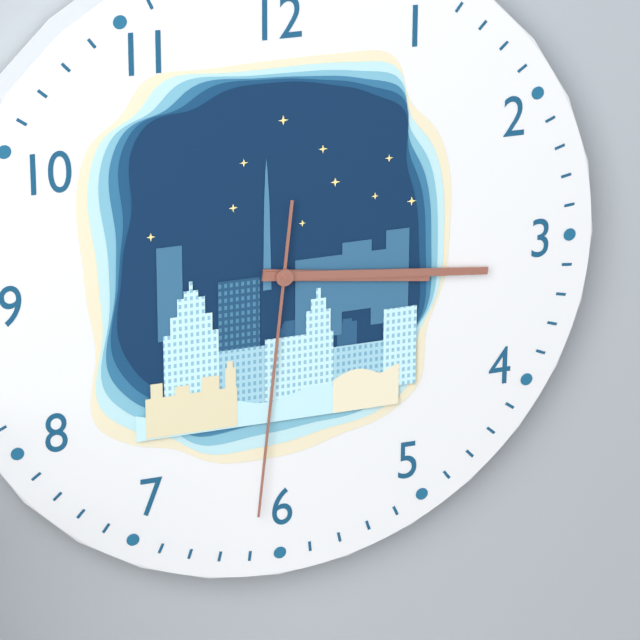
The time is **3:16:31**
